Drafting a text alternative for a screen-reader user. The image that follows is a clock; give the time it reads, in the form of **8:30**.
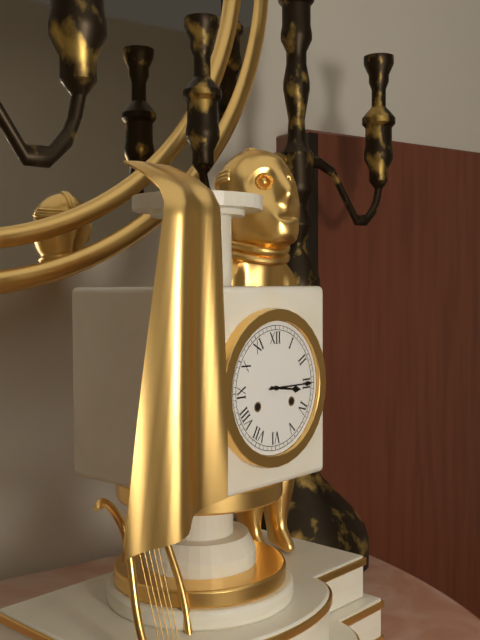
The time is **3:15**
